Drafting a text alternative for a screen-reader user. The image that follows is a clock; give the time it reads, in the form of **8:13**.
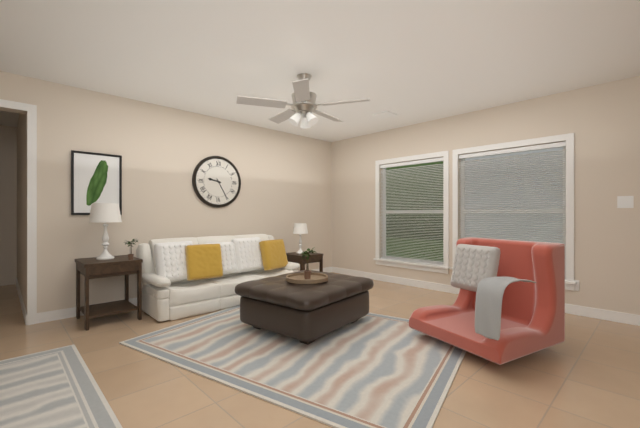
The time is **9:25**
